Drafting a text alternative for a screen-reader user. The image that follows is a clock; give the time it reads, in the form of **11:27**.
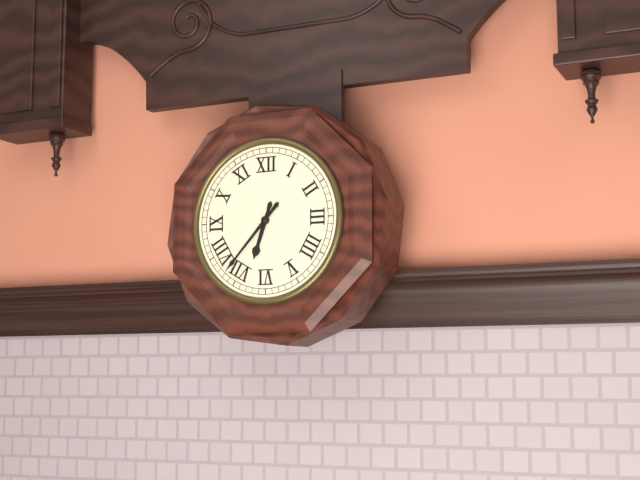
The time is **6:37**
